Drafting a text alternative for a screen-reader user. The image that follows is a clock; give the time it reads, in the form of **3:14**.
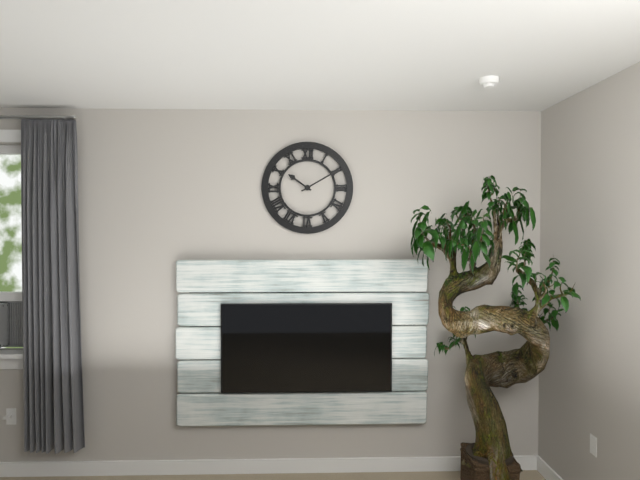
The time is **10:10**
